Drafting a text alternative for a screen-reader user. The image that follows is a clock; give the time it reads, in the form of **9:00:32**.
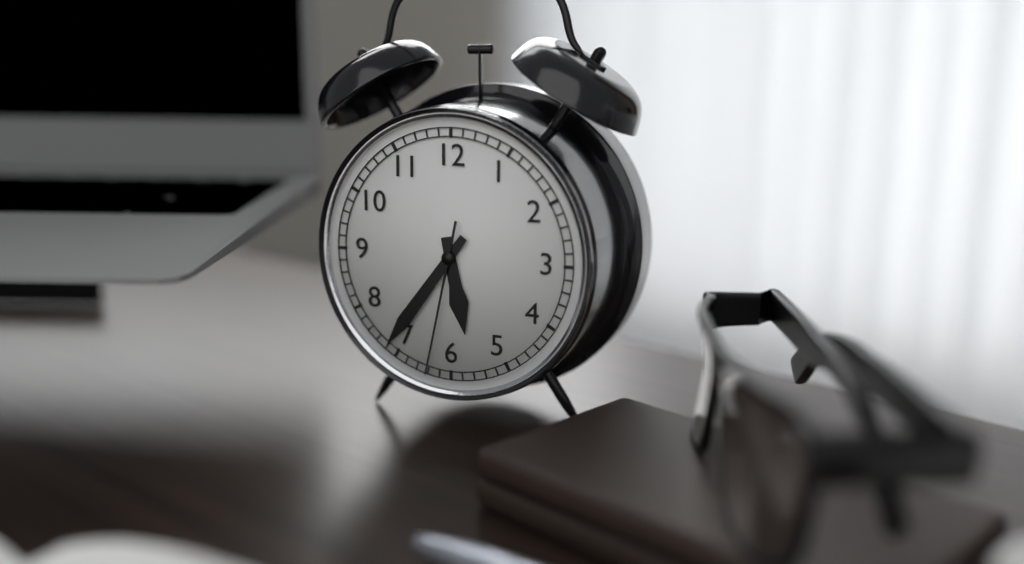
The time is **5:36:32**
